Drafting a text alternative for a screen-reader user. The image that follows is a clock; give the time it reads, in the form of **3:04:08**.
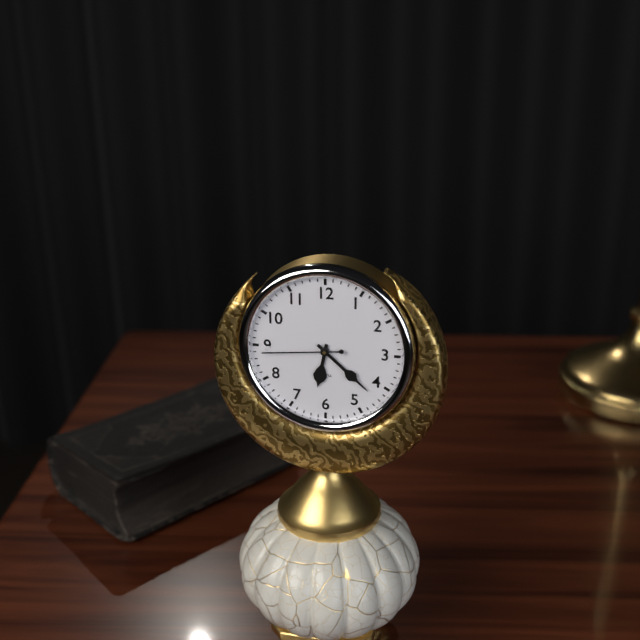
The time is **6:22:44**
